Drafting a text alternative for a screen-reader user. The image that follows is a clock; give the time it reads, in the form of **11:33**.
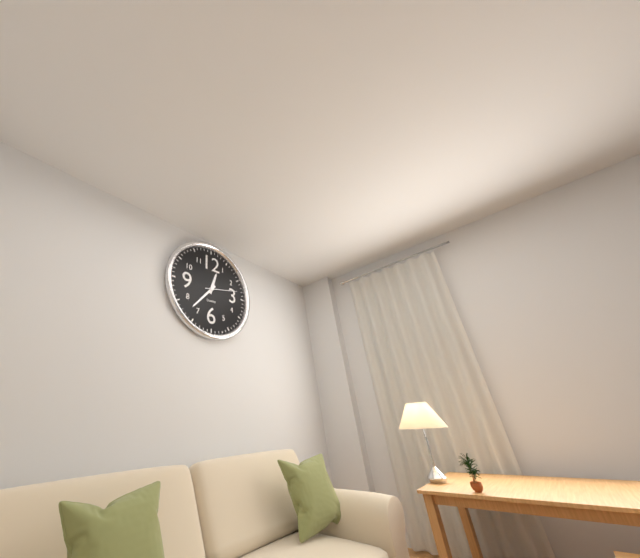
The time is **12:37**
